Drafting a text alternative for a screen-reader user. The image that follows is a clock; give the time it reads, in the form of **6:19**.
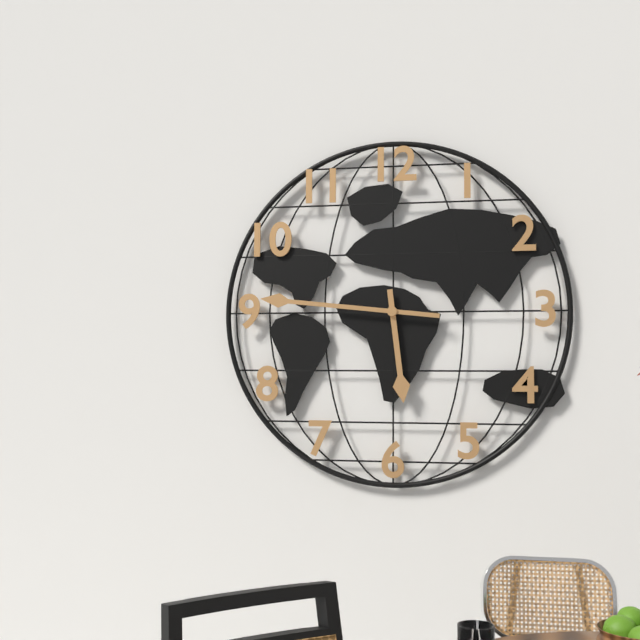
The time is **5:46**
